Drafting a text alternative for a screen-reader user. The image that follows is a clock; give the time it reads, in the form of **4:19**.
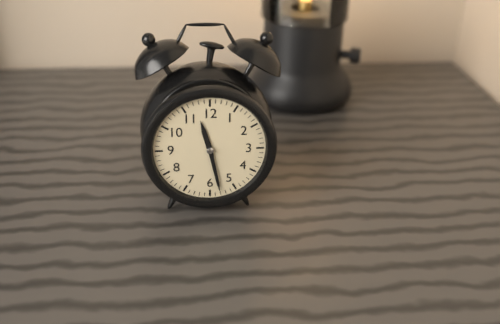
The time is **11:28**
